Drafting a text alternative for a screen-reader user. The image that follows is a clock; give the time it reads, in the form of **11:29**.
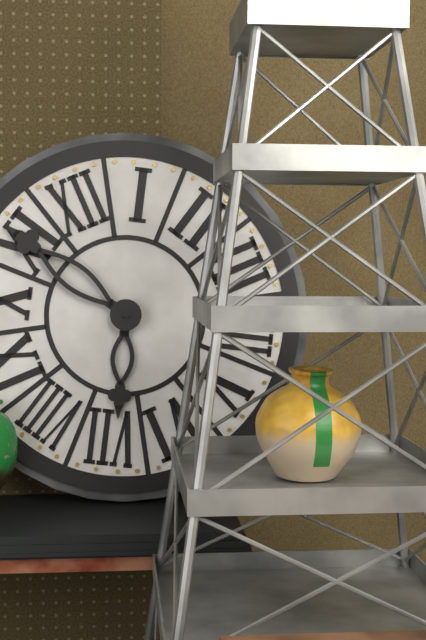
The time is **6:55**
